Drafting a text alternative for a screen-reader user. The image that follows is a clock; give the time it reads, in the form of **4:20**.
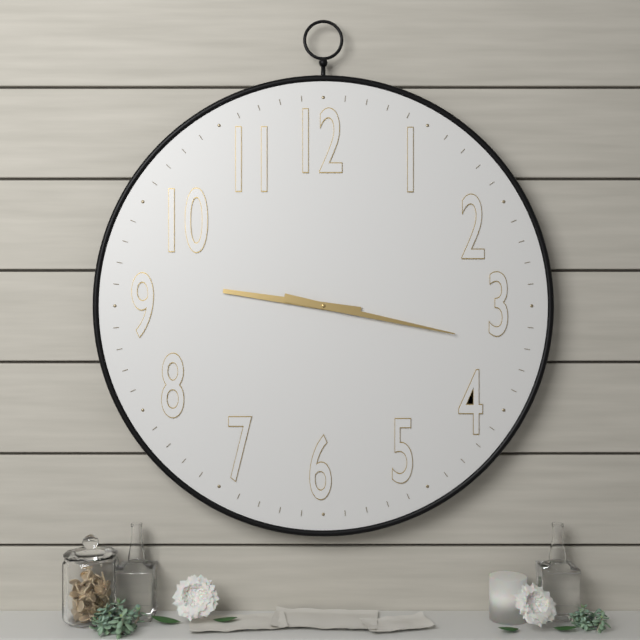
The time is **9:17**
